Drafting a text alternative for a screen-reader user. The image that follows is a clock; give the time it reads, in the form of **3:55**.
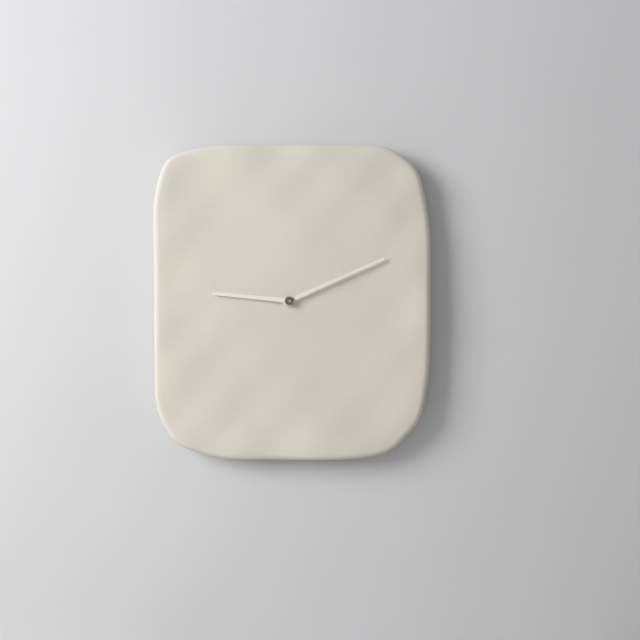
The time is **9:11**
